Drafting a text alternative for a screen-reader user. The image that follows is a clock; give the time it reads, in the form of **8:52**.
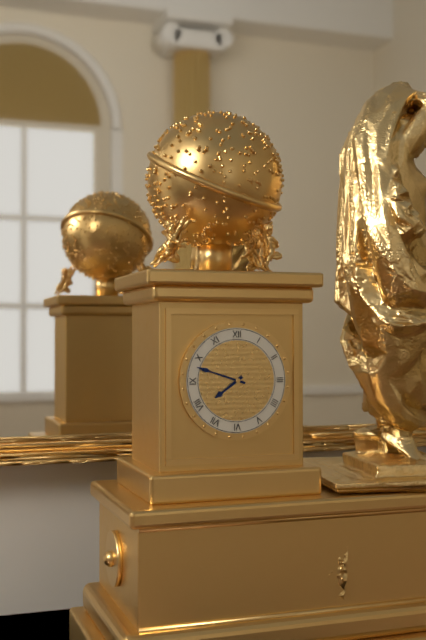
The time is **7:48**
